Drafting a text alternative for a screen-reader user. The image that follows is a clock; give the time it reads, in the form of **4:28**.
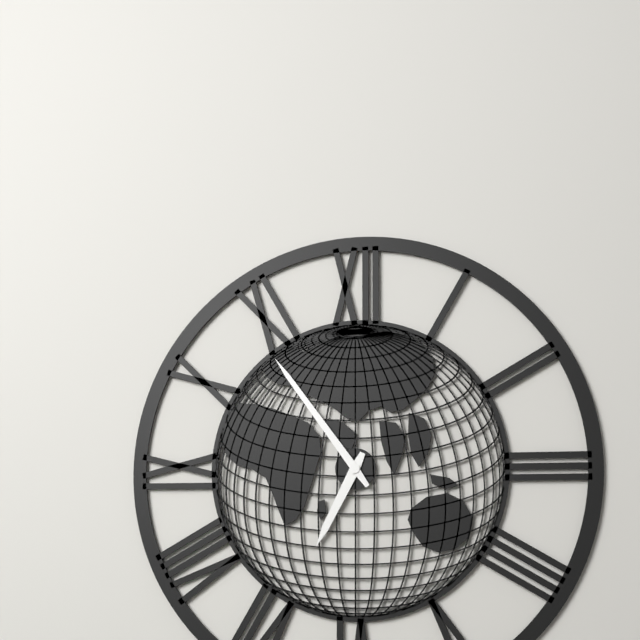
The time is **6:54**
